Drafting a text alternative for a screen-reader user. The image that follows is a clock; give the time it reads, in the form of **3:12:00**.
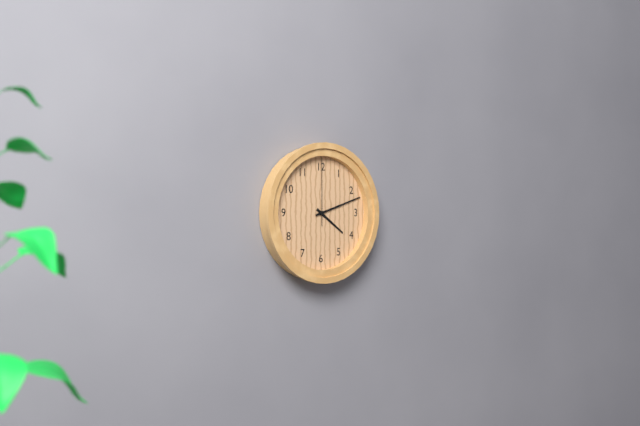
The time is **4:12:00**
